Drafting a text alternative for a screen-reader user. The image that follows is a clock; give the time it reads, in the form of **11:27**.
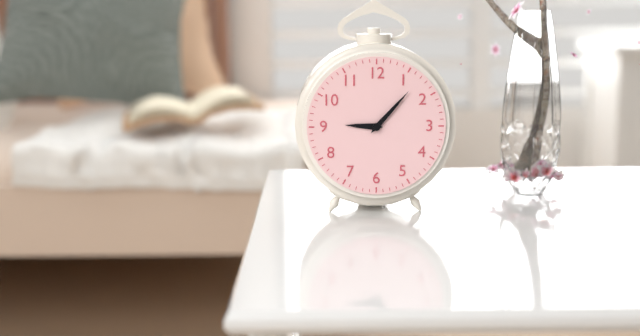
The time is **9:07**
